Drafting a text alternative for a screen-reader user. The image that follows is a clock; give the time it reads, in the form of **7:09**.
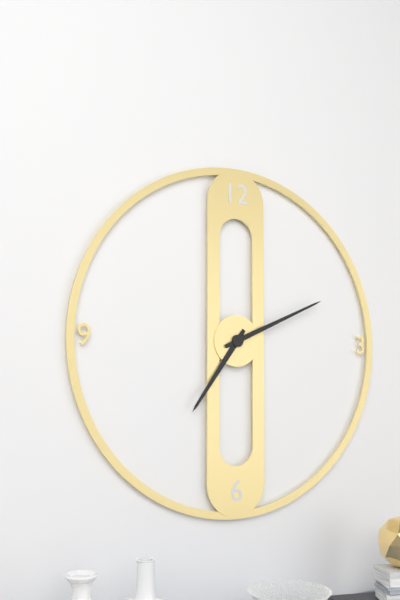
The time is **7:11**
